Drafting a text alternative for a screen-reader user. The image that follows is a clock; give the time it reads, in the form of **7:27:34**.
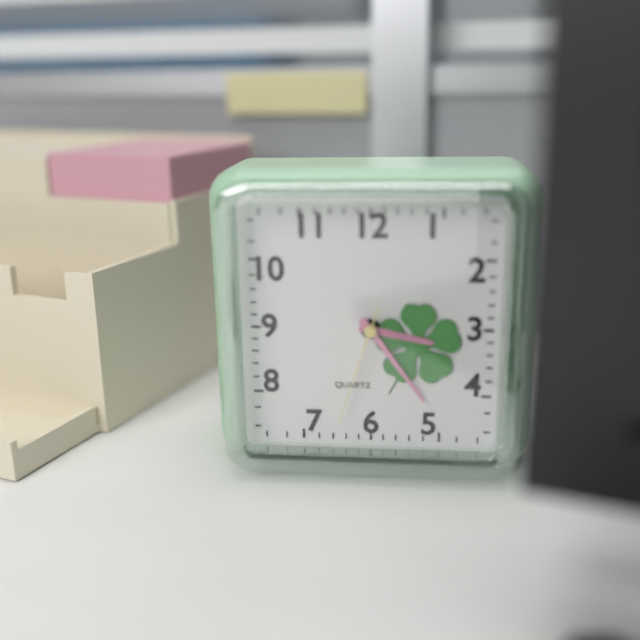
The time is **3:24:33**
